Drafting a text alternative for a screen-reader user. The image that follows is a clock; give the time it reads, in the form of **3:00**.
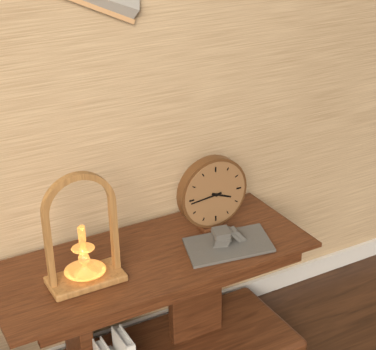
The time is **3:44**
